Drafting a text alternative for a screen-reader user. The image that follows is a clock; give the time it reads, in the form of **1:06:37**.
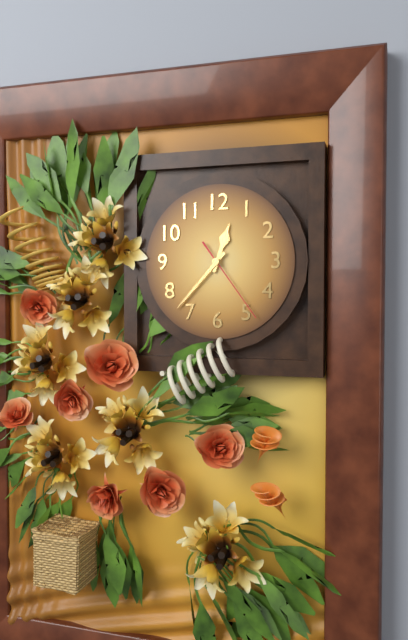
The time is **12:37:24**
